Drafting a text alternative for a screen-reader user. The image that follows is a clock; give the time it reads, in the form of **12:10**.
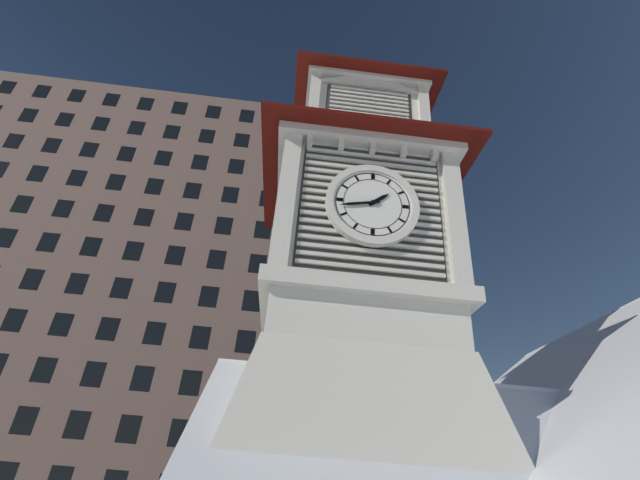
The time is **1:43**
